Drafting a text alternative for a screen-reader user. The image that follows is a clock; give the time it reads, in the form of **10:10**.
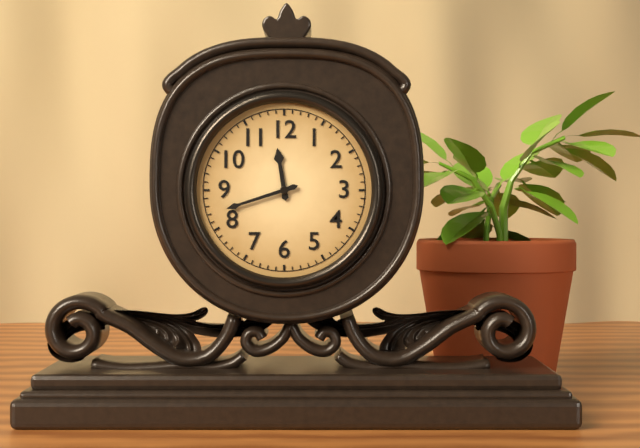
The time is **11:42**
